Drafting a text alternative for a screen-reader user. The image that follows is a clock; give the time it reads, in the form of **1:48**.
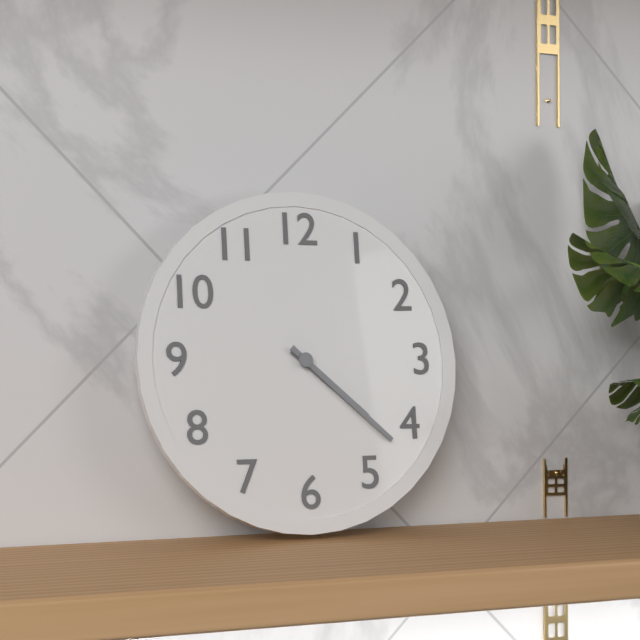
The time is **4:22**
